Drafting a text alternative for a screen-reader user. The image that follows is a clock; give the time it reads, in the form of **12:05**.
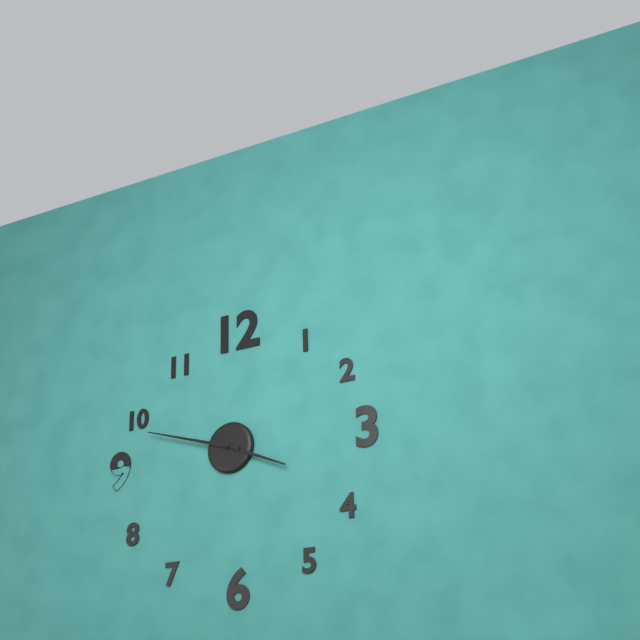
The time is **3:48**
